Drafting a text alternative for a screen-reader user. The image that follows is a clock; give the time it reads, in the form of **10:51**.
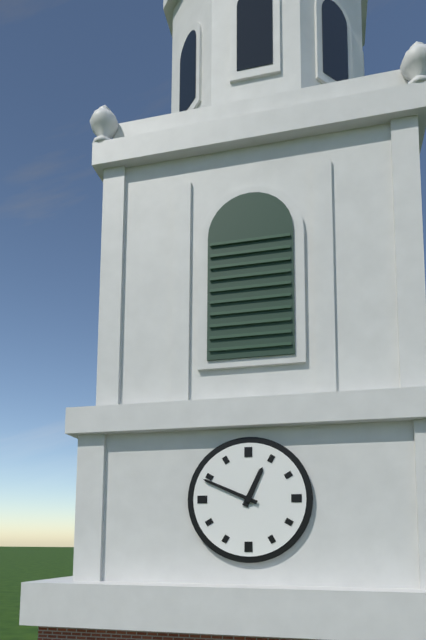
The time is **12:49**
